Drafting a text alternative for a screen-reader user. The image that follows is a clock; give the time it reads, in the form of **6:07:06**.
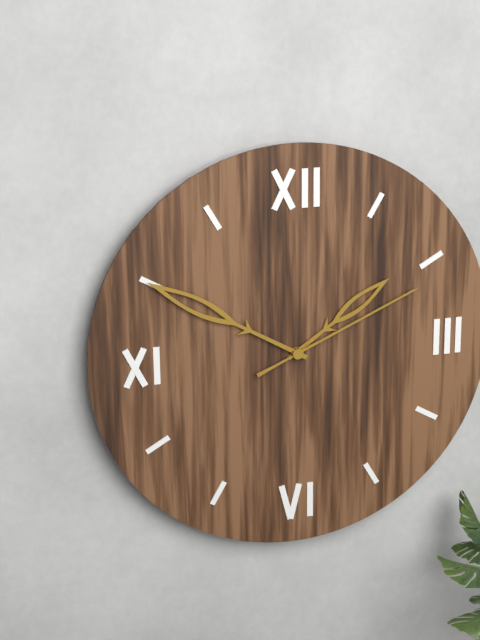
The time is **1:50:11**
